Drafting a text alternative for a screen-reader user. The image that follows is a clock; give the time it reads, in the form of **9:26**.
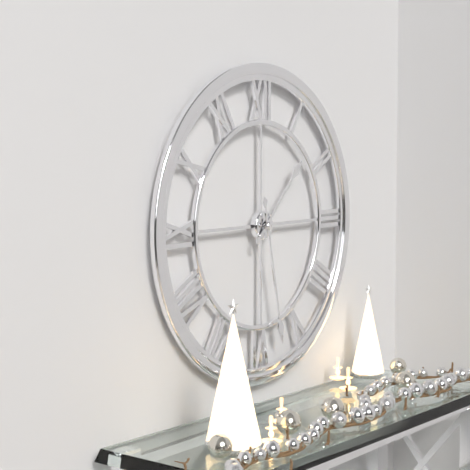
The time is **1:28**
